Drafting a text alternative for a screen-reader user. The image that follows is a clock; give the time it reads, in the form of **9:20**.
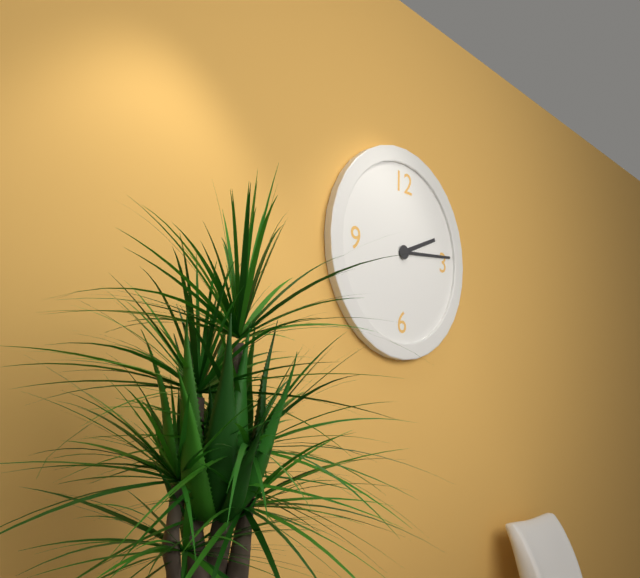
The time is **2:14**
